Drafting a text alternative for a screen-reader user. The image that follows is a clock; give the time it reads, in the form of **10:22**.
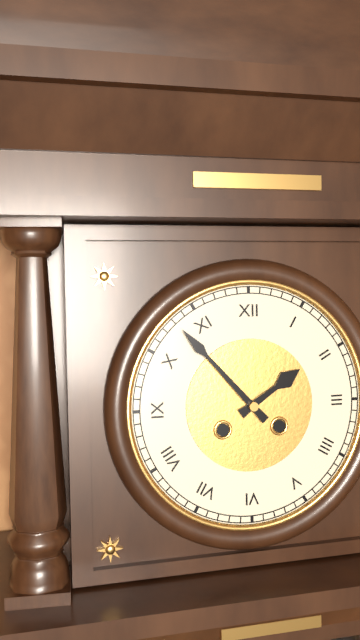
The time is **1:53**
